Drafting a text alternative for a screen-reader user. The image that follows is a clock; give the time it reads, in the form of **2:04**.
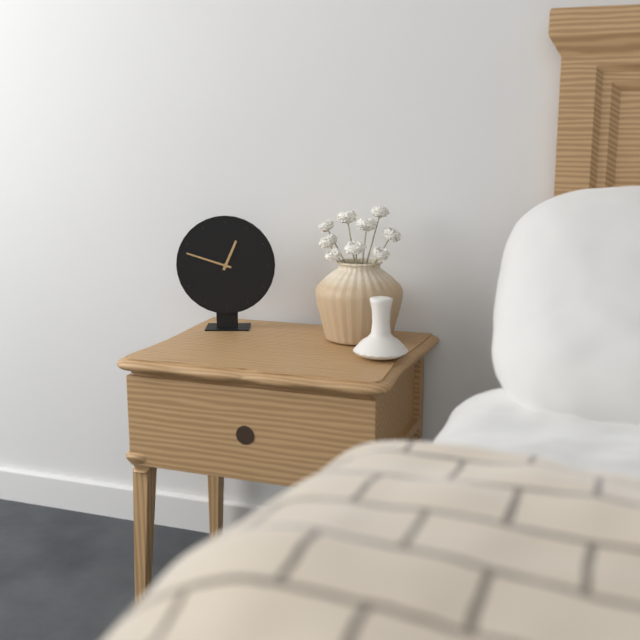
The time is **12:48**
